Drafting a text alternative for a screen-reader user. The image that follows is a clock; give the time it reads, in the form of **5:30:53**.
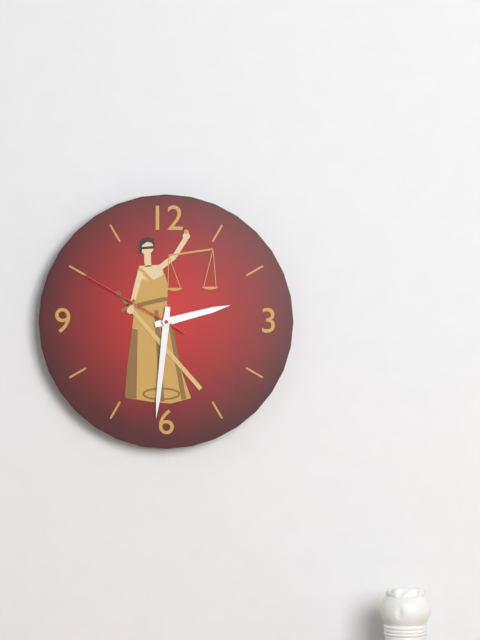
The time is **2:31:50**
